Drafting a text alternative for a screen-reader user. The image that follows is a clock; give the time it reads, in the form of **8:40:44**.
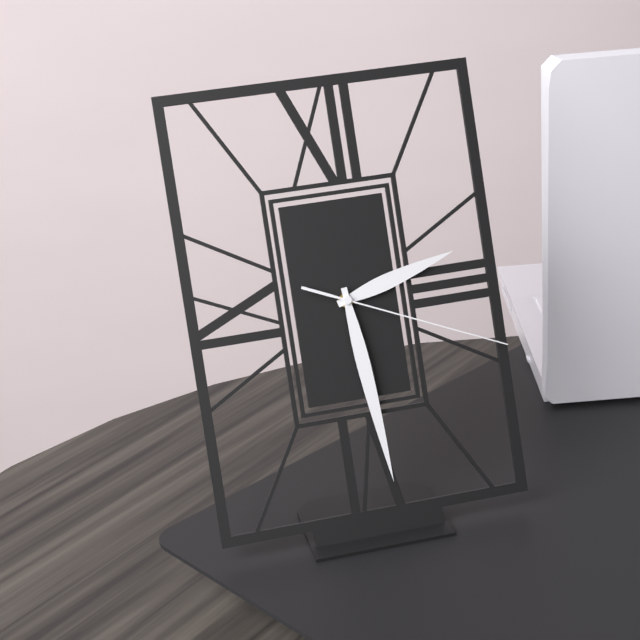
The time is **2:29:19**
